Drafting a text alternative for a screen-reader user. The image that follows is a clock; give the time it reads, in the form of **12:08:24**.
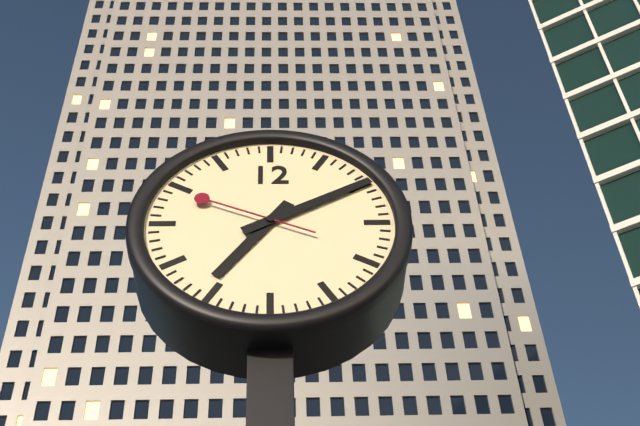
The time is **7:10:49**
